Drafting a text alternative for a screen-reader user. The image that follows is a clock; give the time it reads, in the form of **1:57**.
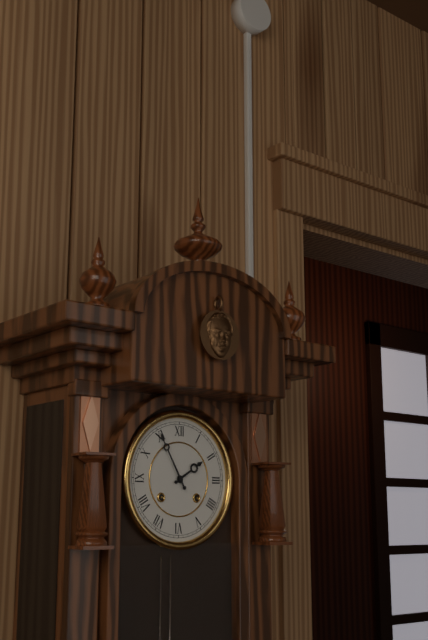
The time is **1:55**
